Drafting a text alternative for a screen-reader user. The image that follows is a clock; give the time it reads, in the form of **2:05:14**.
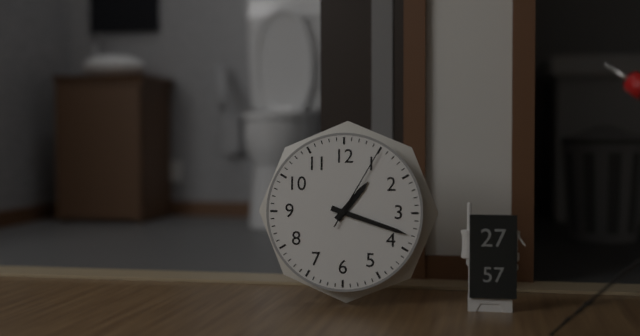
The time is **1:18:05**
